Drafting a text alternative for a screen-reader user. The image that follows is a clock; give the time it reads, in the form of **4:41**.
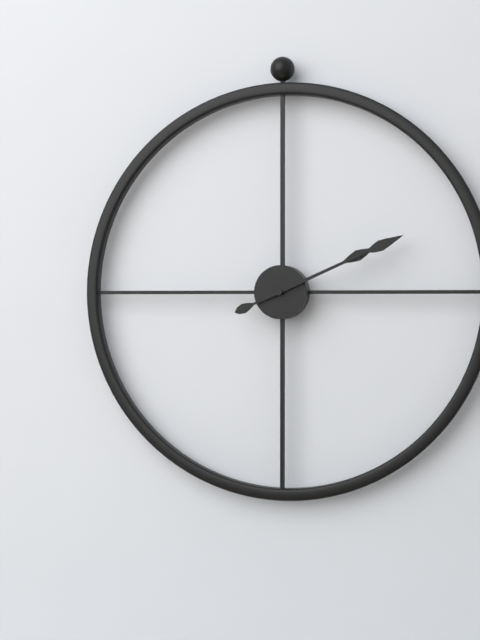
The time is **2:11**
